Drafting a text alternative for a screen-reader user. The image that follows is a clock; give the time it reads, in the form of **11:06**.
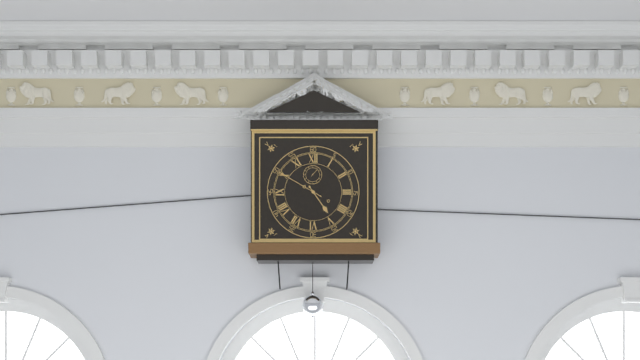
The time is **4:50**
